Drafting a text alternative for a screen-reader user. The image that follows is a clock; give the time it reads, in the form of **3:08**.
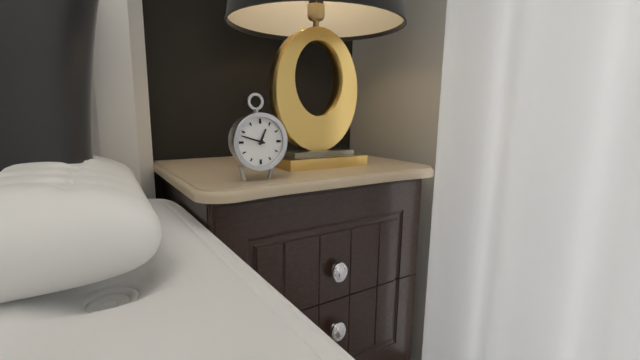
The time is **12:48**
